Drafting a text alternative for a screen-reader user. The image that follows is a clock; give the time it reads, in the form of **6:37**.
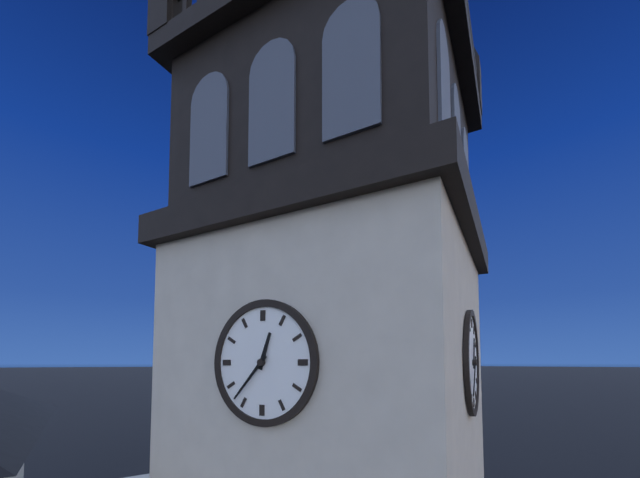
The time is **12:37**
